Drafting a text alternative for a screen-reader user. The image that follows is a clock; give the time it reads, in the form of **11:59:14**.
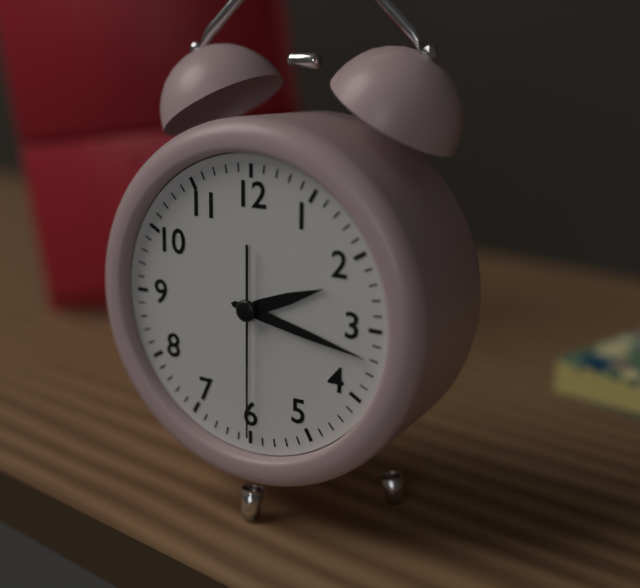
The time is **2:17:30**
